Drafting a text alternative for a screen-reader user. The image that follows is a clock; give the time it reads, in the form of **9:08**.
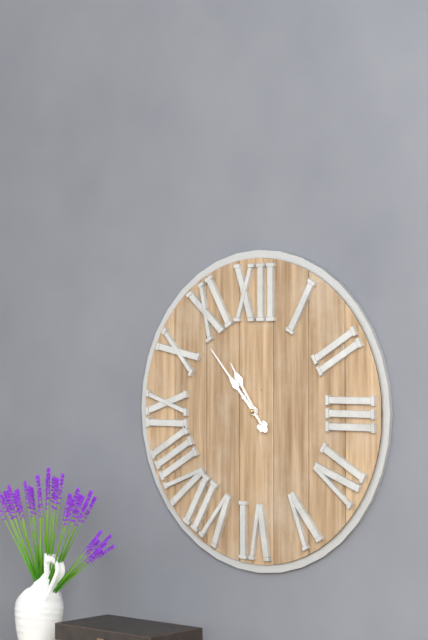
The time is **10:53**
